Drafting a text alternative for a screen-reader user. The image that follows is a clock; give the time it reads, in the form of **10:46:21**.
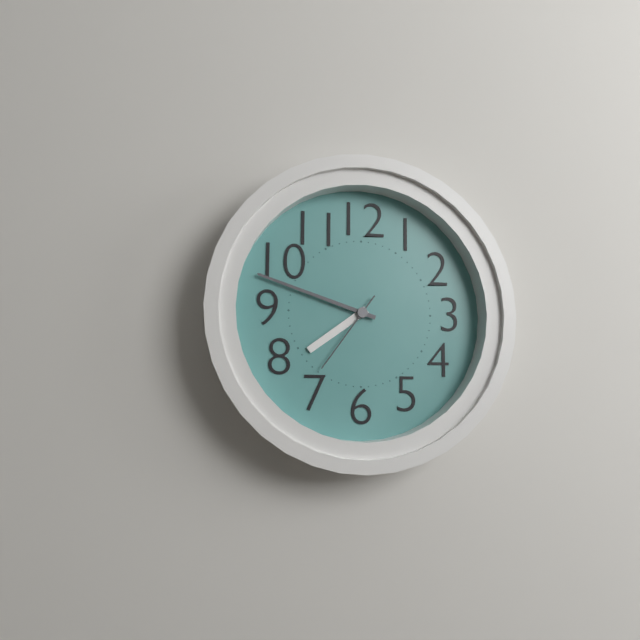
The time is **7:48:36**
